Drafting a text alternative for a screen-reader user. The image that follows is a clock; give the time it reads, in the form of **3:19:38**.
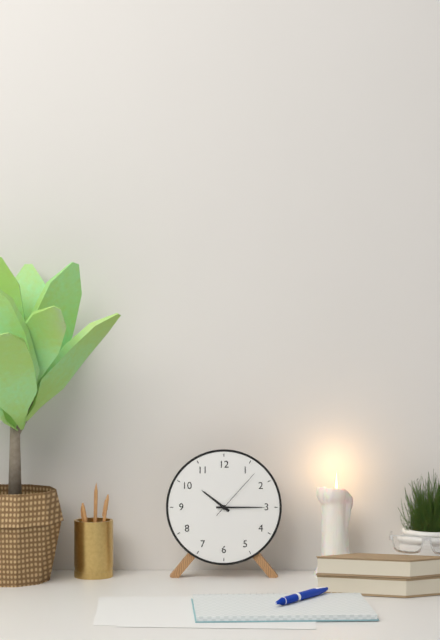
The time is **10:15:07**
